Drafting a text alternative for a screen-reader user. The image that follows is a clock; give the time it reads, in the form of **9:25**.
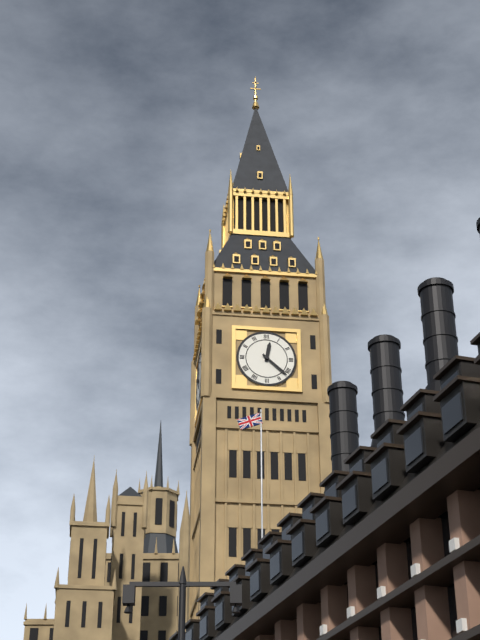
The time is **12:22**
